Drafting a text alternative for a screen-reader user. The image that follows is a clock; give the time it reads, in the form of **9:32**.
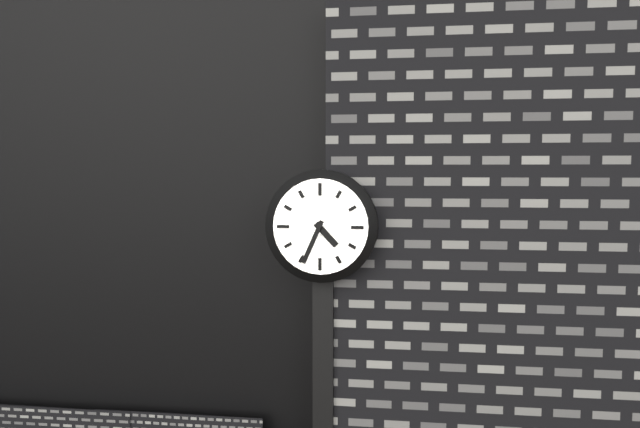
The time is **4:34**
